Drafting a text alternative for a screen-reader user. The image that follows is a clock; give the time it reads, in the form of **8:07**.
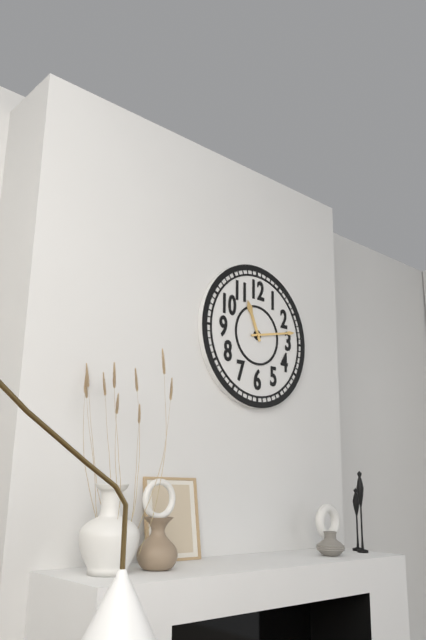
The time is **11:13**
